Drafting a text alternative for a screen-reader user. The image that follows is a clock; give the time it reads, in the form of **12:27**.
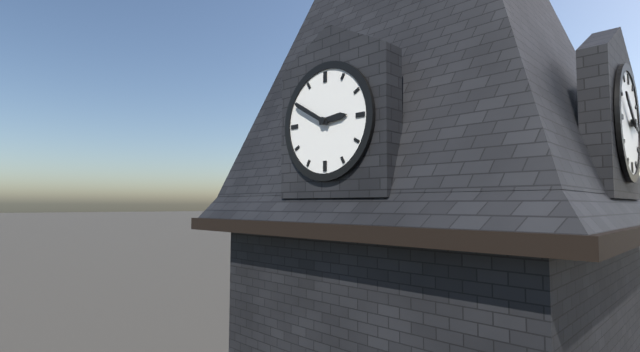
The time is **2:50**
